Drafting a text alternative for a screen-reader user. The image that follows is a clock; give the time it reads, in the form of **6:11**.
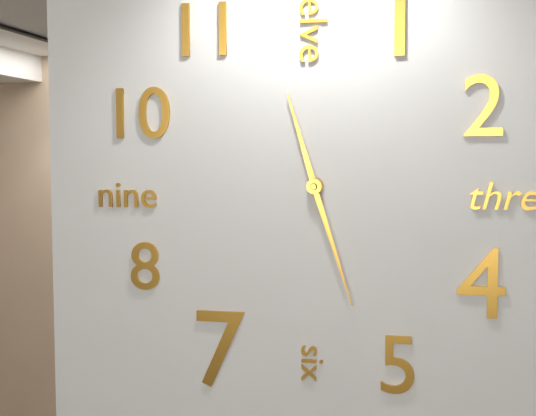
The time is **11:27**
